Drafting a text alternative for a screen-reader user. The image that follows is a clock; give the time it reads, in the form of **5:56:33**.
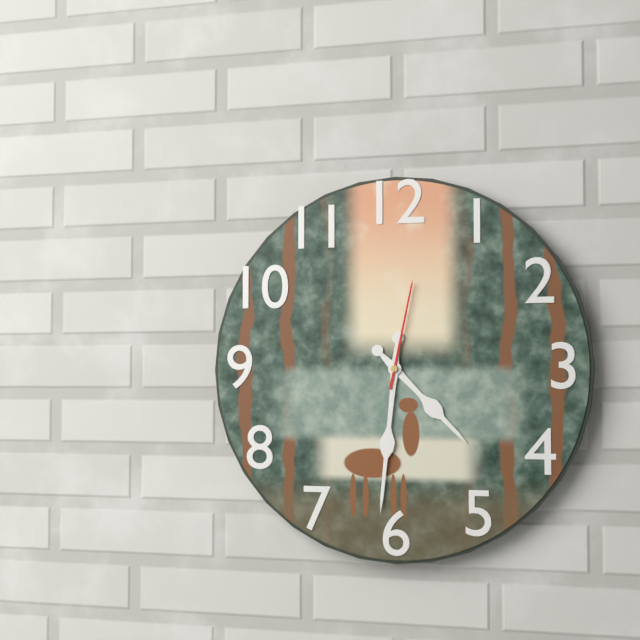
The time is **4:31:02**
